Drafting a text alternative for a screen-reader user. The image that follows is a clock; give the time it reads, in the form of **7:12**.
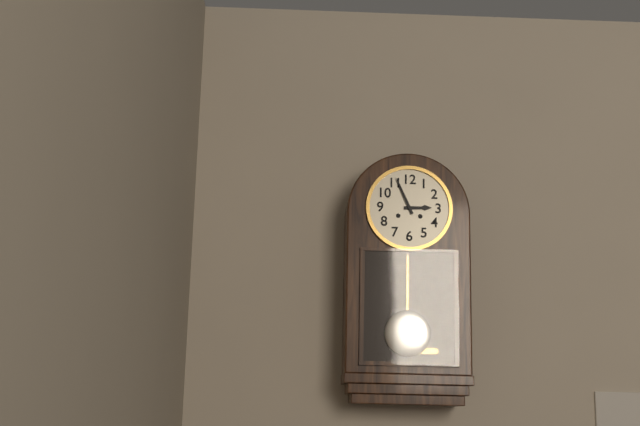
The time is **2:56**
